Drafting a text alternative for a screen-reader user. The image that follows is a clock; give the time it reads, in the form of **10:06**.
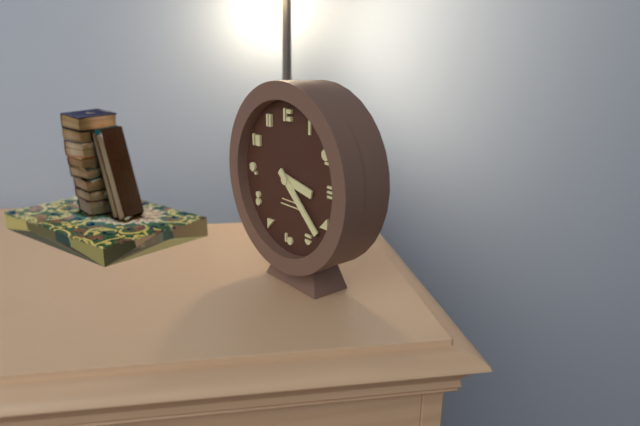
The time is **3:22**
